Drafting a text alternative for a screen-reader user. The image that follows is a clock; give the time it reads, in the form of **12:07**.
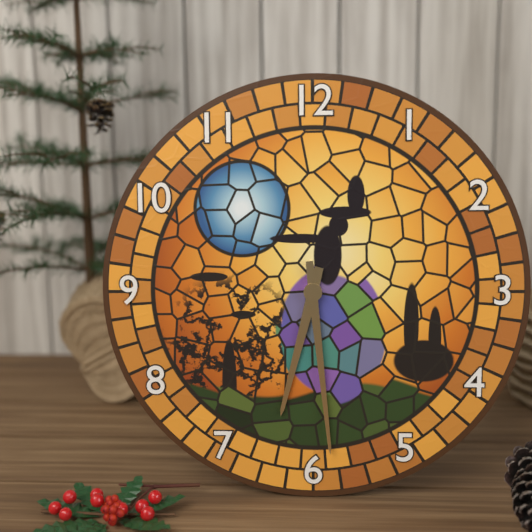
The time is **6:29**
